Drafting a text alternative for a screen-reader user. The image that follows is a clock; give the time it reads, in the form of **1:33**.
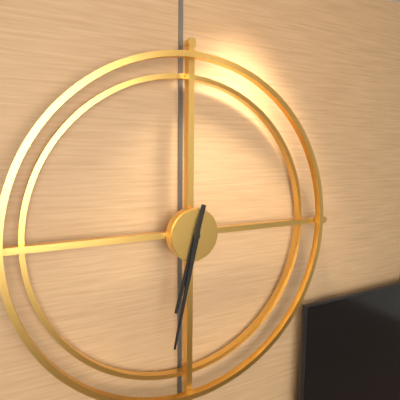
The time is **6:32**
